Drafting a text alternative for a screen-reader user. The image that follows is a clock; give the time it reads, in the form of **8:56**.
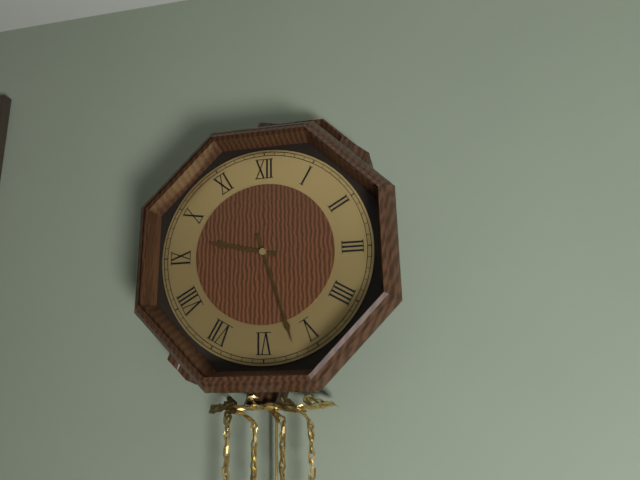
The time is **9:27**
